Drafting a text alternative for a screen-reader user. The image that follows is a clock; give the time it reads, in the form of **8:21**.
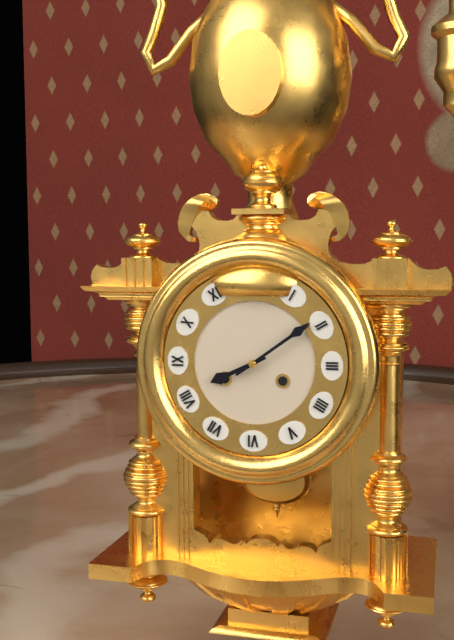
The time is **8:09**
